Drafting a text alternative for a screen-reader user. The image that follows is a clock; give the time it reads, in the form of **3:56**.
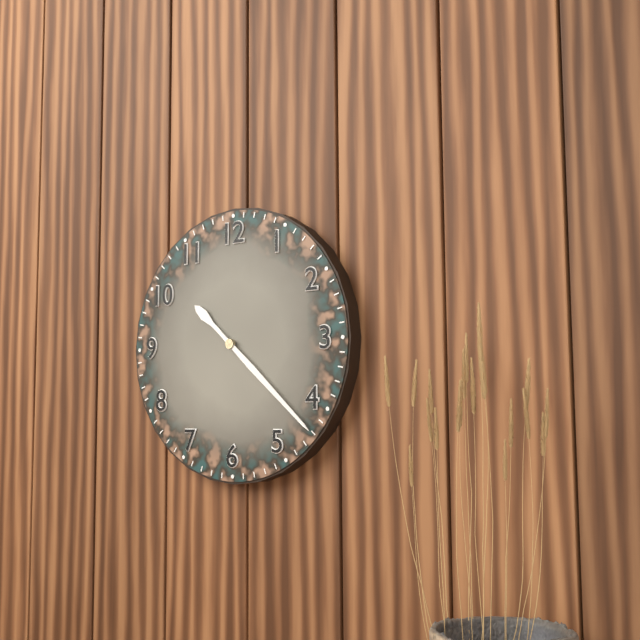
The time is **10:22**
